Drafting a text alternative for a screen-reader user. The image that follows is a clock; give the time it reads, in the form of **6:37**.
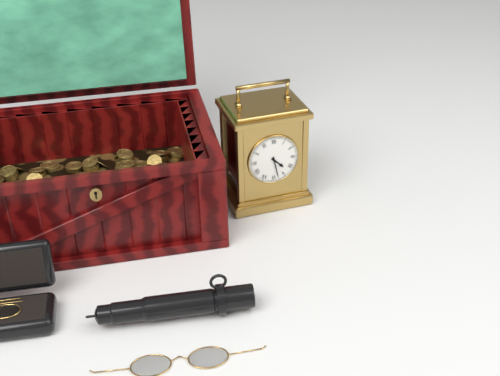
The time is **4:28**
